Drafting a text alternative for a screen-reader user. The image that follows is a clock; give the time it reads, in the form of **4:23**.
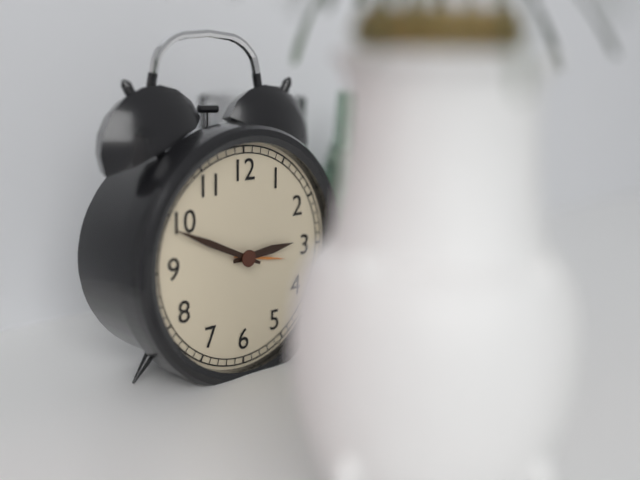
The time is **2:49**
